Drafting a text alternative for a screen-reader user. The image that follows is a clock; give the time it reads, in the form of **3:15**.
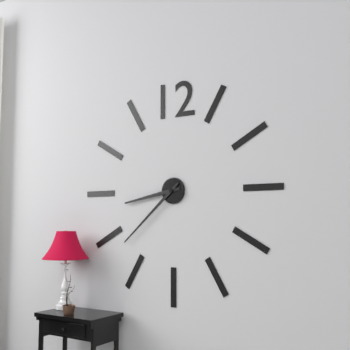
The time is **8:38**
